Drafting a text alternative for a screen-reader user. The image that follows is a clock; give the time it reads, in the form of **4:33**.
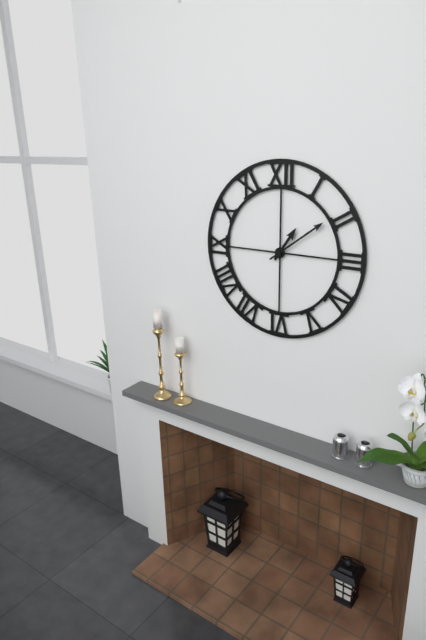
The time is **1:09**
